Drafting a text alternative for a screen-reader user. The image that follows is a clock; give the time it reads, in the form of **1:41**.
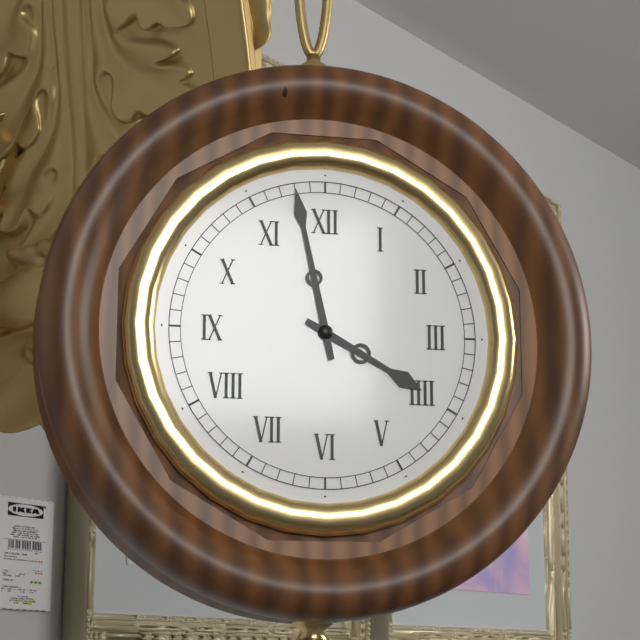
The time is **3:58**
